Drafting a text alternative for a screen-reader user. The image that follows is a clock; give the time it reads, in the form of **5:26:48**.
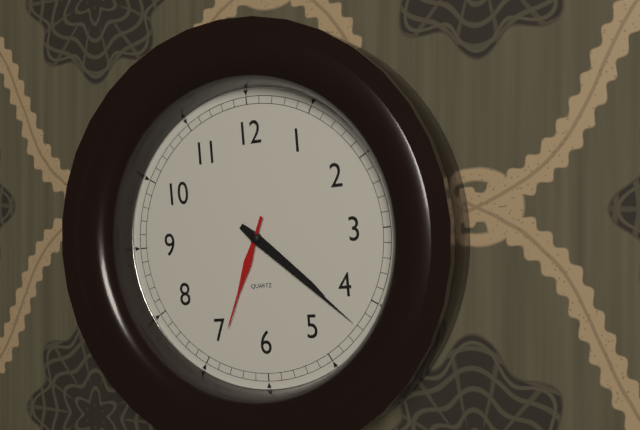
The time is **4:22:34**
